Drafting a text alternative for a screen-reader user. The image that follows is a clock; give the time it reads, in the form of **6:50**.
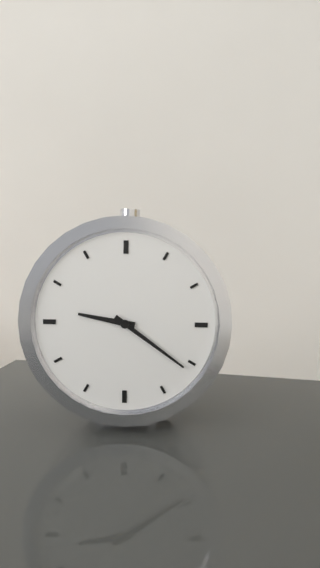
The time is **9:21**
